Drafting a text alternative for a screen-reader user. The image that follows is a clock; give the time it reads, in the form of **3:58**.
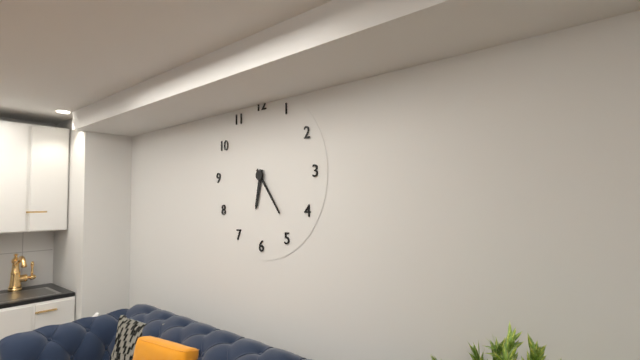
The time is **6:24**
